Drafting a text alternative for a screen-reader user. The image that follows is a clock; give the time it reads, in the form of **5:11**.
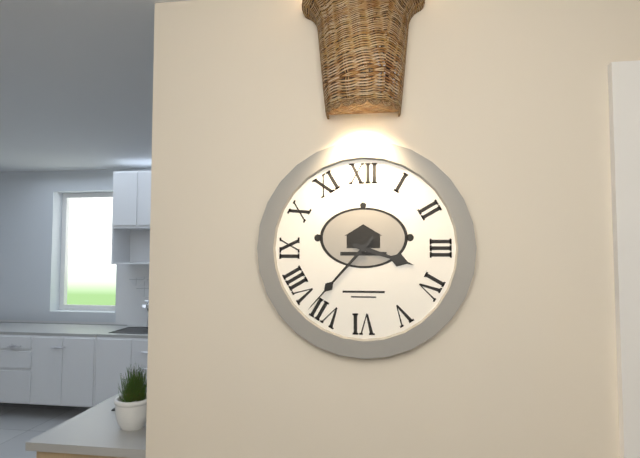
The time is **3:37**
